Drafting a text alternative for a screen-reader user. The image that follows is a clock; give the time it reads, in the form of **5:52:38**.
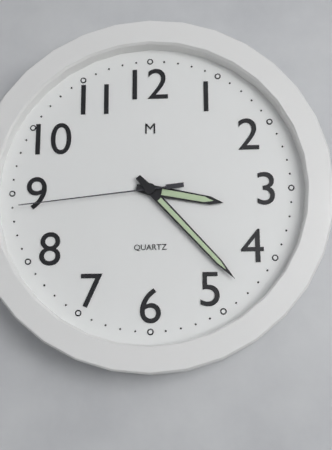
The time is **3:23:44**
